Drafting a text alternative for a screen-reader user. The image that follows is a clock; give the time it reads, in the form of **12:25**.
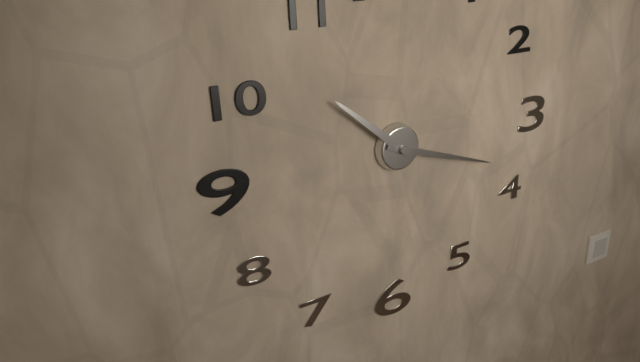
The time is **10:18**
